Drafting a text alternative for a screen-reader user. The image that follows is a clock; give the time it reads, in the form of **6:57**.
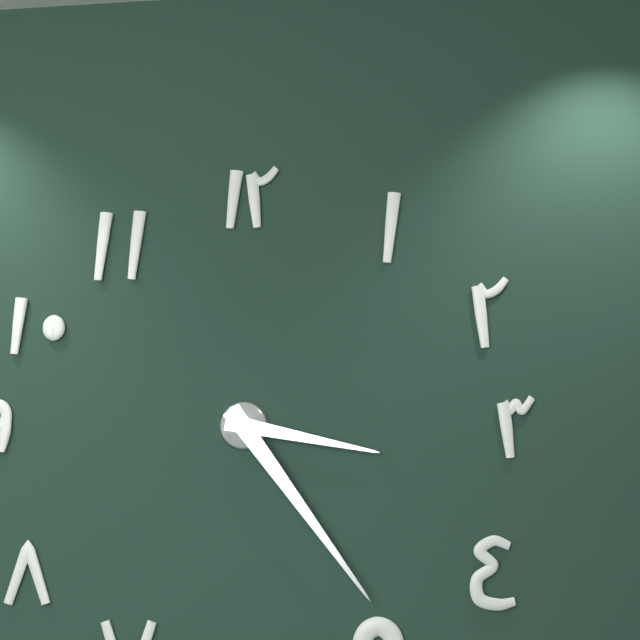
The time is **3:24**
